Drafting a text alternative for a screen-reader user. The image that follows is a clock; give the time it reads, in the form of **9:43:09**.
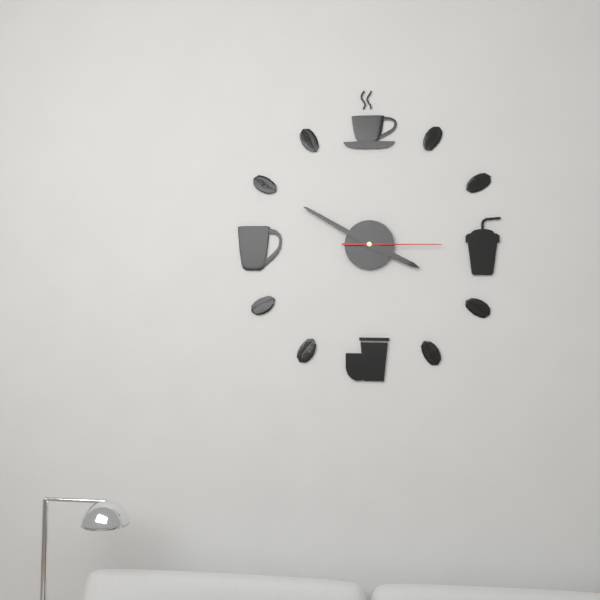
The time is **3:50:15**
